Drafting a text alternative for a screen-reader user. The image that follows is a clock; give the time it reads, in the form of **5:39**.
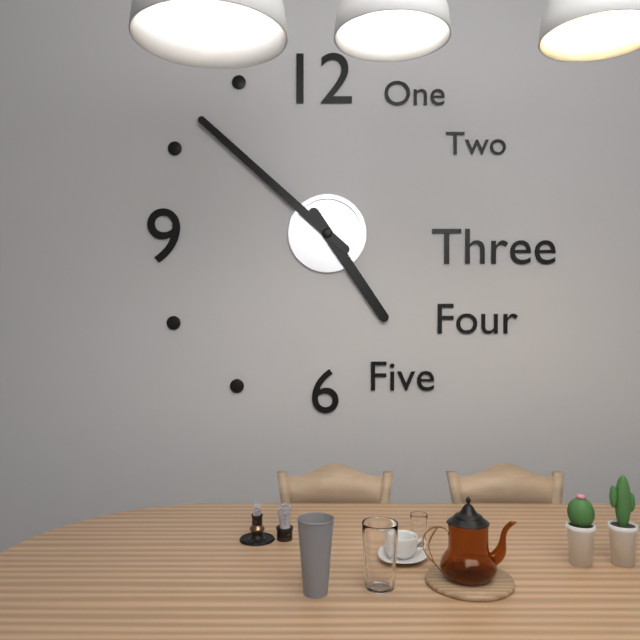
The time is **4:52**
